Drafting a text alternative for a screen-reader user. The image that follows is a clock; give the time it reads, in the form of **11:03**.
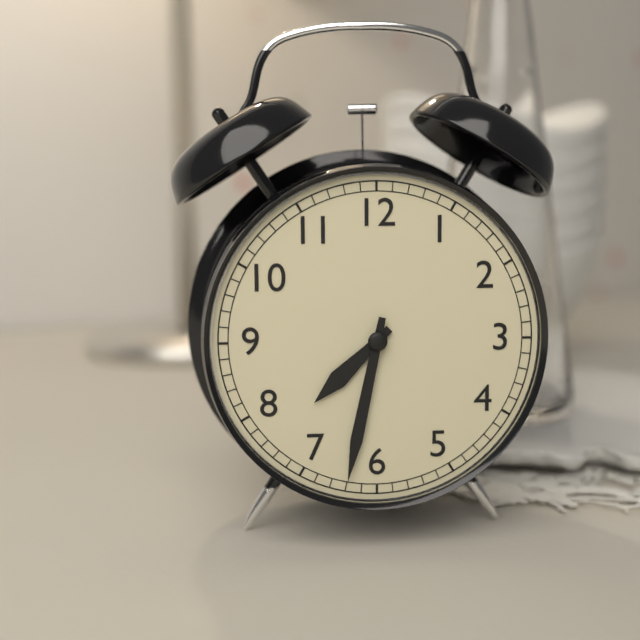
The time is **7:32**
